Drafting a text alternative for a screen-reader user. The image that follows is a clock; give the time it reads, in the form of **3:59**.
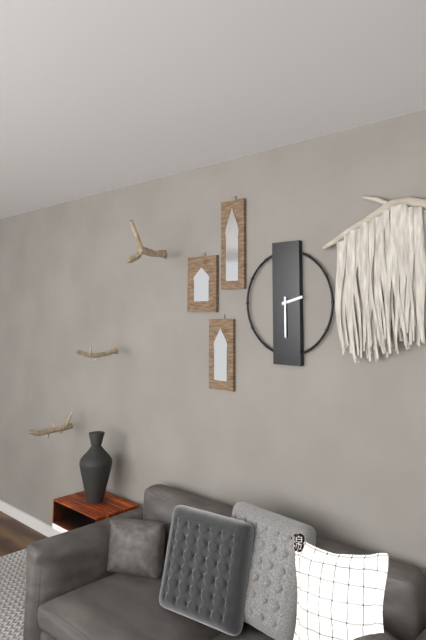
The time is **2:30**
